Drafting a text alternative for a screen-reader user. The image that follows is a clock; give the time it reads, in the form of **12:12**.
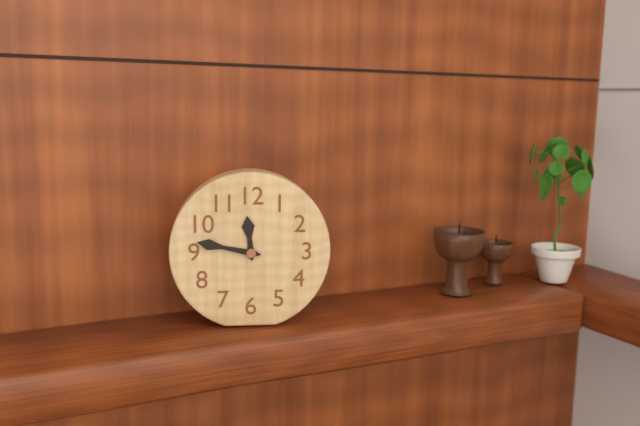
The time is **11:47**
